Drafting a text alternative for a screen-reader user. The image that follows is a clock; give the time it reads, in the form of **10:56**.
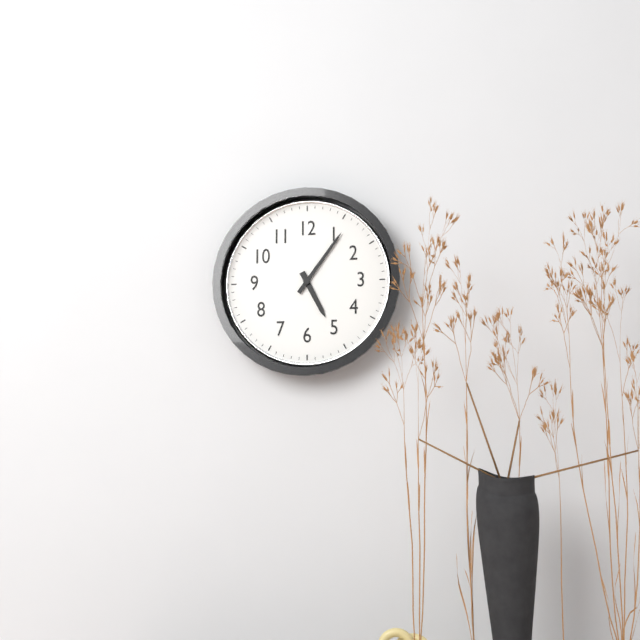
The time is **5:06**
